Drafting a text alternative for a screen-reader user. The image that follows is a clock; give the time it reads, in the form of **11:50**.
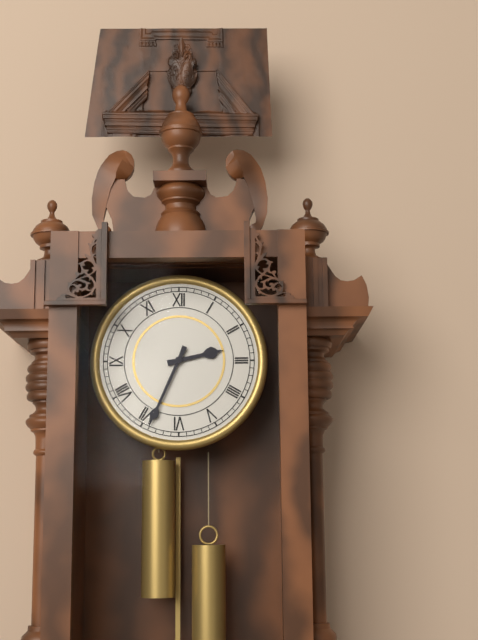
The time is **2:34**
